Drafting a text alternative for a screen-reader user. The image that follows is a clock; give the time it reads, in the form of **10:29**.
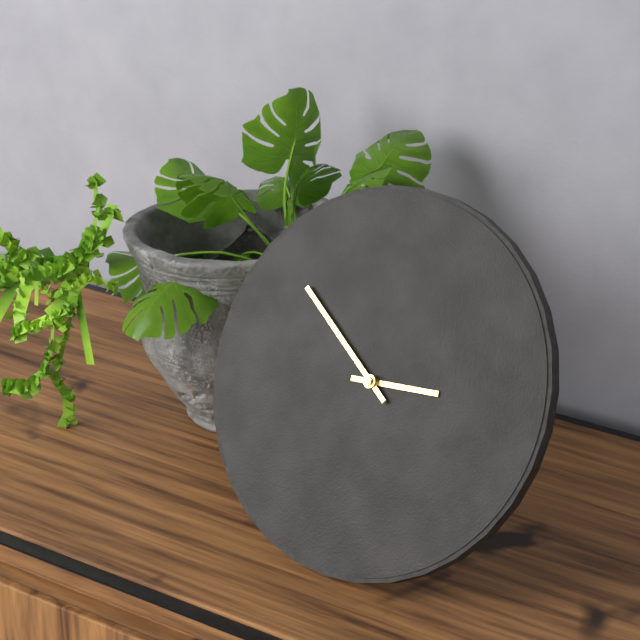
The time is **2:51**
